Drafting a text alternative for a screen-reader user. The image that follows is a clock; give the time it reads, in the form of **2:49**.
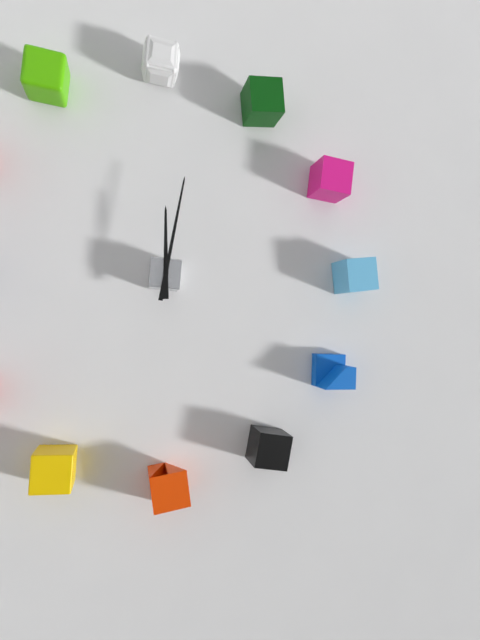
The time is **12:02**
